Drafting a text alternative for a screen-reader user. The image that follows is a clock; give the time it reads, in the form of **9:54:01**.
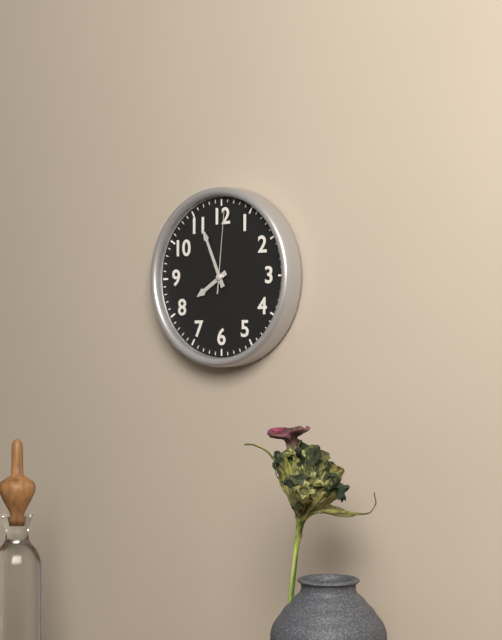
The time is **7:56:01**
